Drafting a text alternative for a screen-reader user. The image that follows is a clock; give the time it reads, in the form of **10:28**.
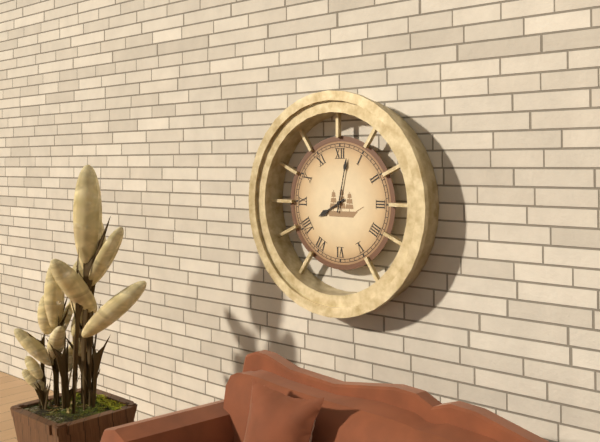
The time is **8:02**
